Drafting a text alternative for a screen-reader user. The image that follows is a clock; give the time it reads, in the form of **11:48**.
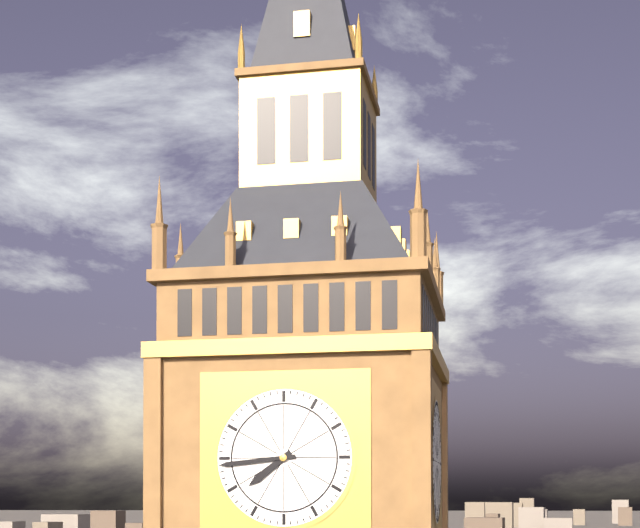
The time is **7:44**
